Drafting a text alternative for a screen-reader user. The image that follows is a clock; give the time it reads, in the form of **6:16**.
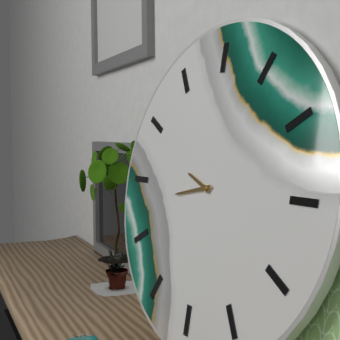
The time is **9:43**
